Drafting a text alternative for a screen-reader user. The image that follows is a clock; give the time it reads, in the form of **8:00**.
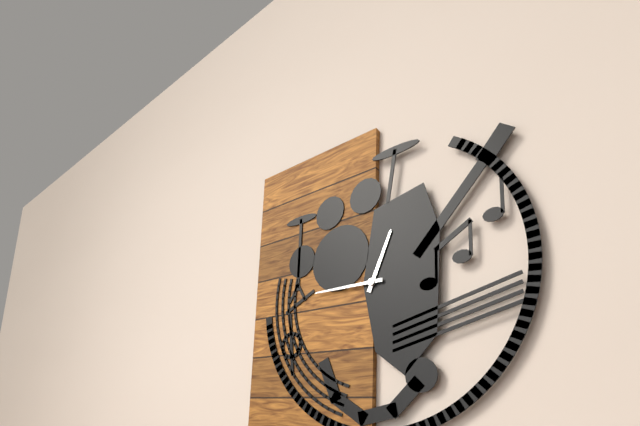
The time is **12:45**
